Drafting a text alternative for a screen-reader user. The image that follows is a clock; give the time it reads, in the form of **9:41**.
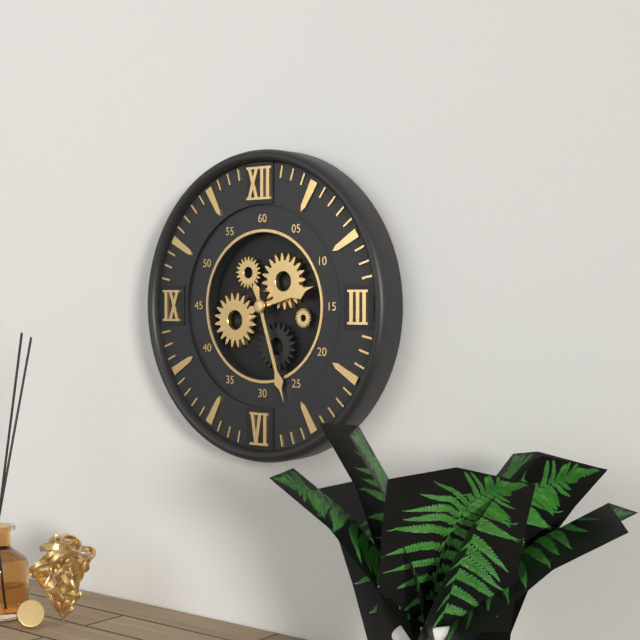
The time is **2:27**
